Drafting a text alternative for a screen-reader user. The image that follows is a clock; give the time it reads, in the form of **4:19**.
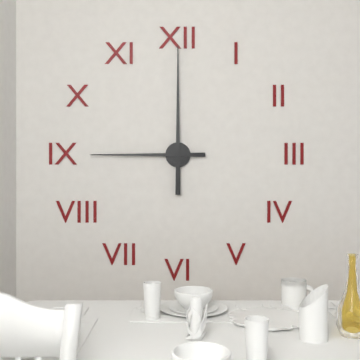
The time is **9:00**
